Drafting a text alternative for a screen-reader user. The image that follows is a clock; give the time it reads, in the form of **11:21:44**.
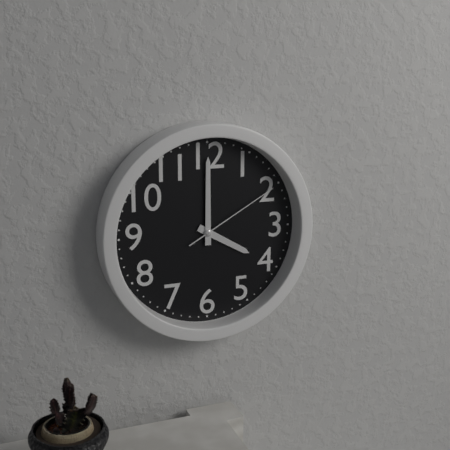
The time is **4:00:10**
